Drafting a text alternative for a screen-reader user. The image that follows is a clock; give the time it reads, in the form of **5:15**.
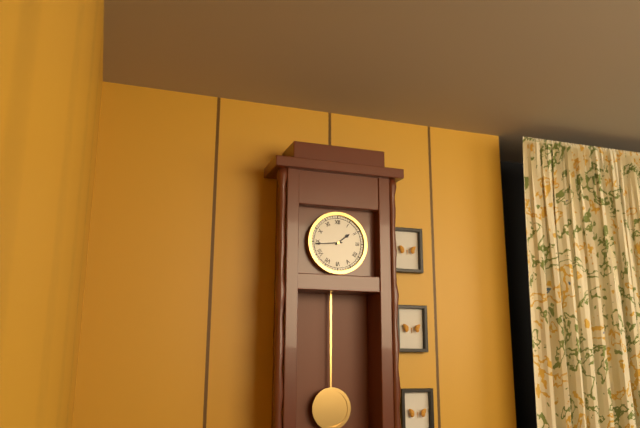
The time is **1:44**
